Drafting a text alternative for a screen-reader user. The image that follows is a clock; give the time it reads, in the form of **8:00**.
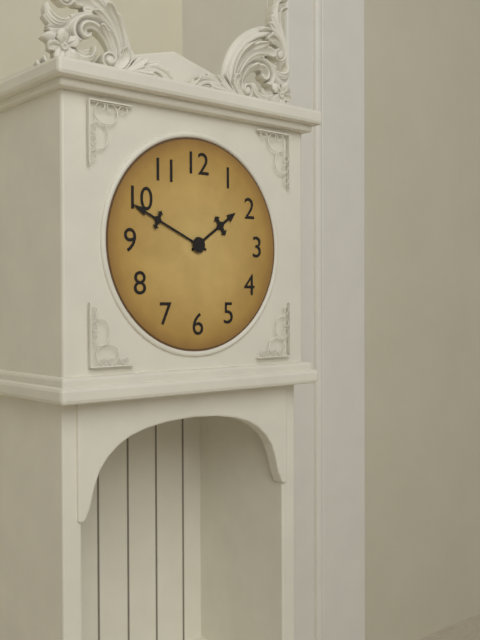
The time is **1:49**
